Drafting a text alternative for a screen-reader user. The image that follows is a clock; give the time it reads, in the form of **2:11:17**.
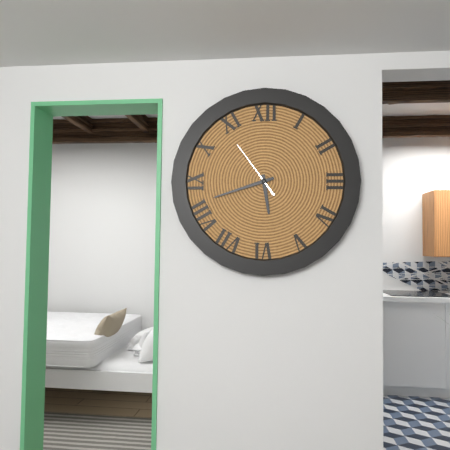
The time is **5:42:54**
